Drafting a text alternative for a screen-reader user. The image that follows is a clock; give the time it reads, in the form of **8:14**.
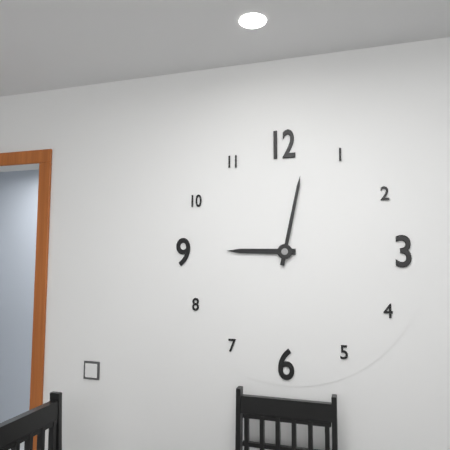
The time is **9:02**
